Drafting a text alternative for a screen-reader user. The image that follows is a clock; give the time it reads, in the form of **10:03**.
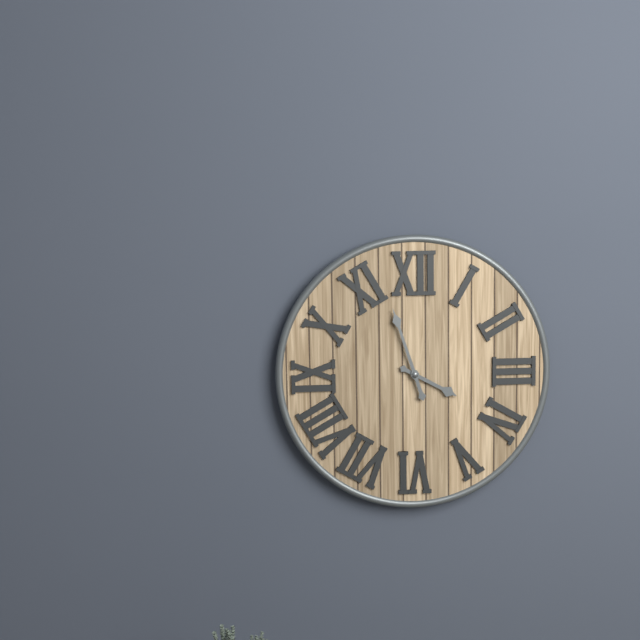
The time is **3:57**
